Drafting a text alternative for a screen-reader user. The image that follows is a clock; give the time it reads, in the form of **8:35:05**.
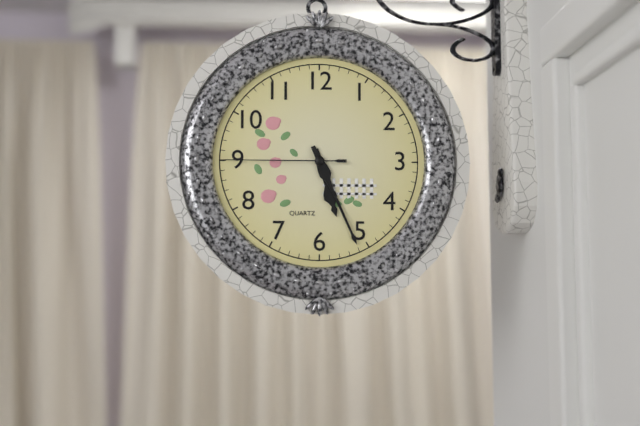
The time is **5:26:45**
